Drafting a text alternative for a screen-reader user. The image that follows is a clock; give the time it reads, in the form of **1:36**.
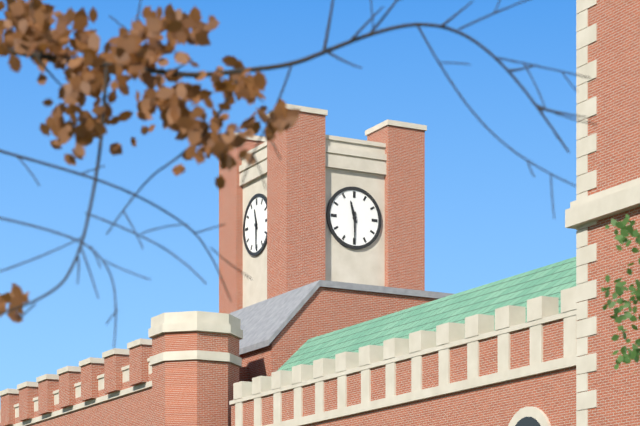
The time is **11:30**
